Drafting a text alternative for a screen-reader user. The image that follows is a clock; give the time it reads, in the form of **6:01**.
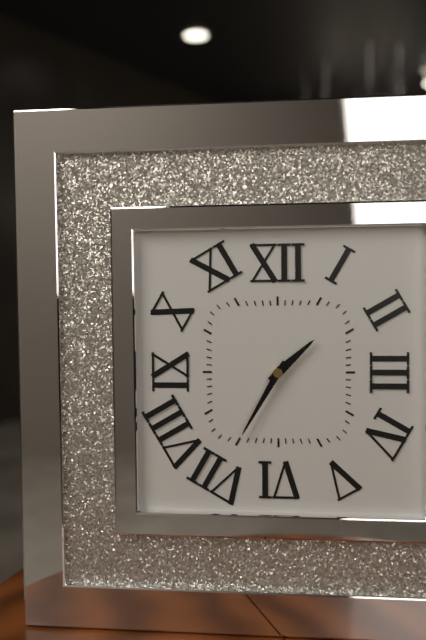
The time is **1:35**
